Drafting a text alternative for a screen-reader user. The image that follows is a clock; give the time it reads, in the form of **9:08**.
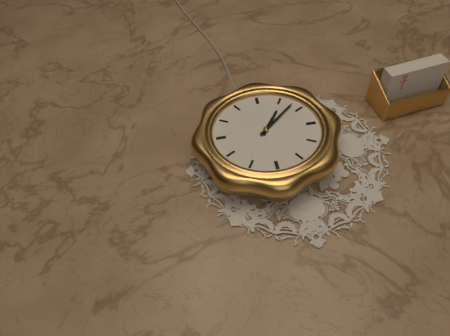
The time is **1:08**
